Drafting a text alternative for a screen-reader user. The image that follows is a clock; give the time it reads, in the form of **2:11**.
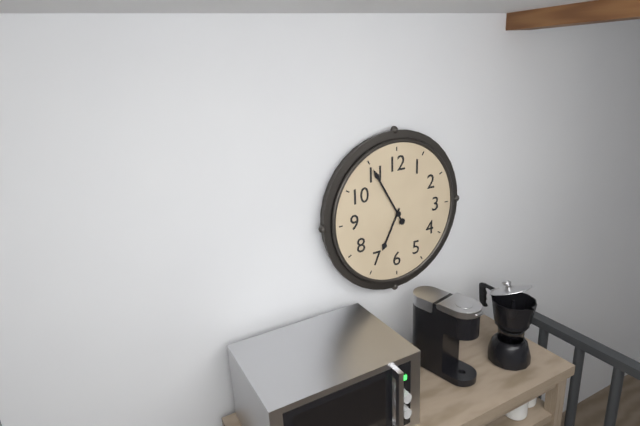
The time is **6:55**
